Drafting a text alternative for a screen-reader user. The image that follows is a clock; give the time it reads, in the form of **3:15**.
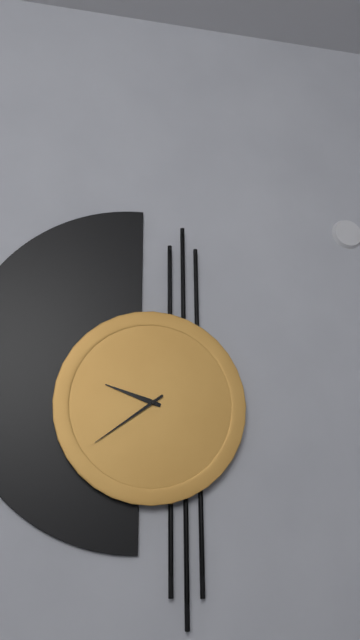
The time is **9:39**
